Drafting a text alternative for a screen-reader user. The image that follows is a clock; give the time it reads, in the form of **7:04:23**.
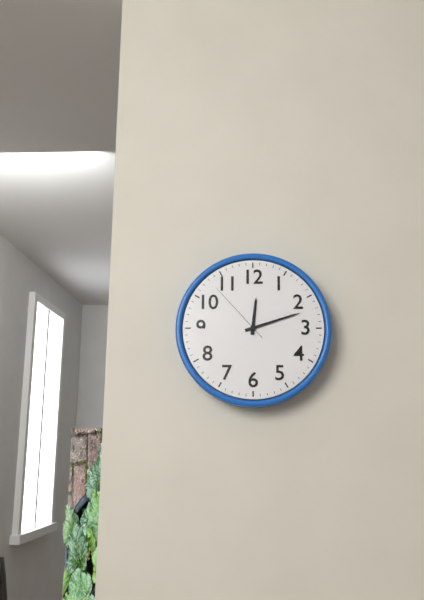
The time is **12:12:53**
